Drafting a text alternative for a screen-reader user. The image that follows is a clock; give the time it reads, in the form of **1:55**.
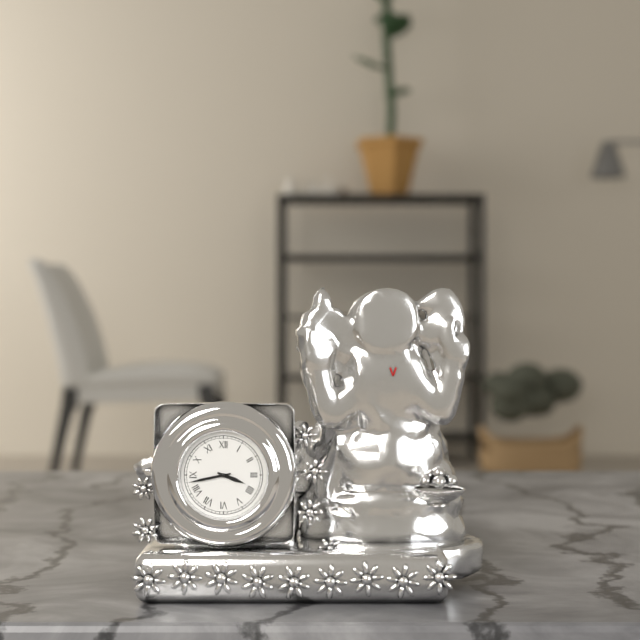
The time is **3:43**
